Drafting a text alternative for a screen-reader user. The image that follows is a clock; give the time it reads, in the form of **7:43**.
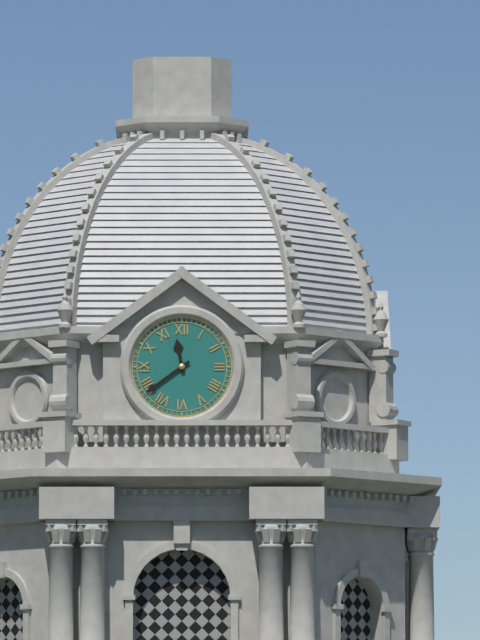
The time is **11:39**
